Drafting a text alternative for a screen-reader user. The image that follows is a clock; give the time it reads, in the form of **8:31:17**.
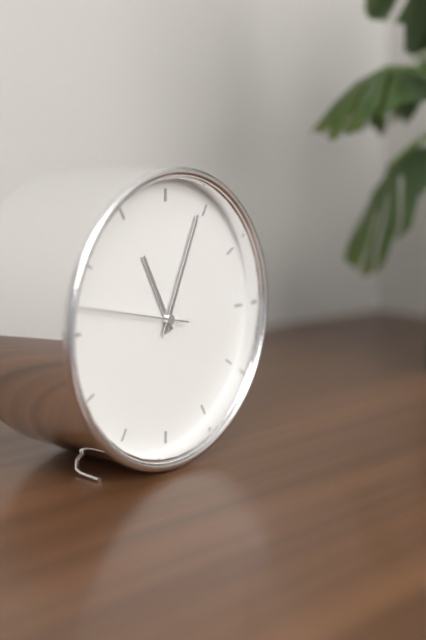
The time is **11:04:47**
